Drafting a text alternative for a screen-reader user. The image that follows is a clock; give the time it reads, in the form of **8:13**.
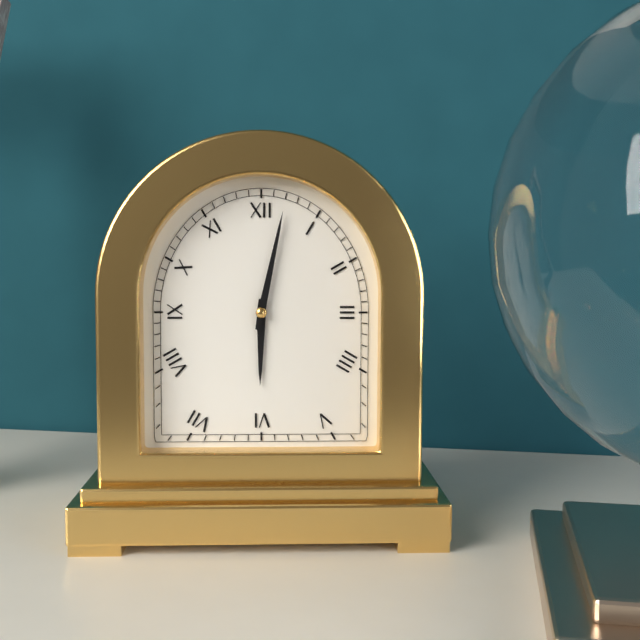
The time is **6:02**
